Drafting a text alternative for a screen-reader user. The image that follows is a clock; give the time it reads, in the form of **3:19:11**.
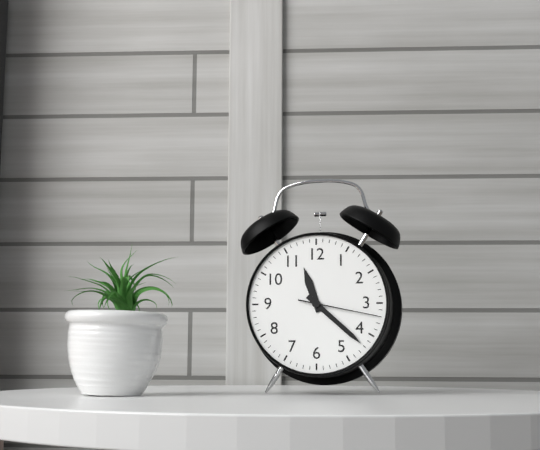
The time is **11:22:17**
